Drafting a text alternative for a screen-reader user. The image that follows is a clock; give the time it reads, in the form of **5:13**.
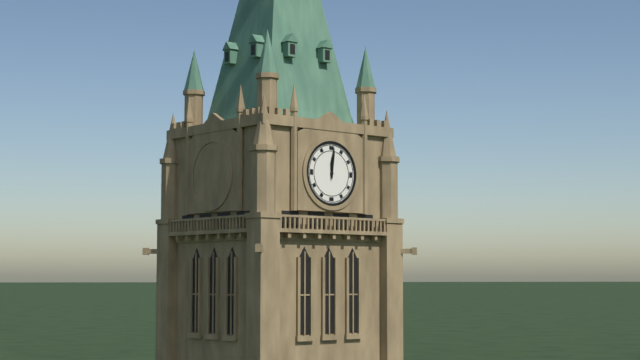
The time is **12:01**
